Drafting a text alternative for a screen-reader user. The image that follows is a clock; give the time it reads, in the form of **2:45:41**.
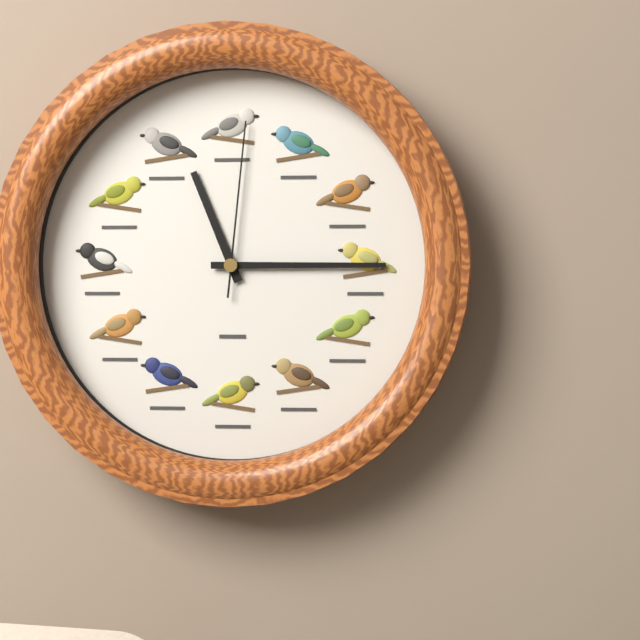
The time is **11:15:01**
